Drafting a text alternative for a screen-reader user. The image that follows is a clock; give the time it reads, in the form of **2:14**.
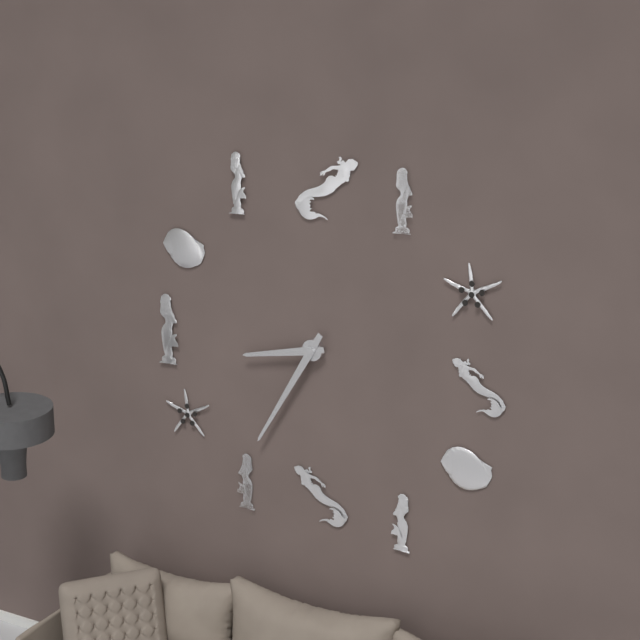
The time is **8:35**
